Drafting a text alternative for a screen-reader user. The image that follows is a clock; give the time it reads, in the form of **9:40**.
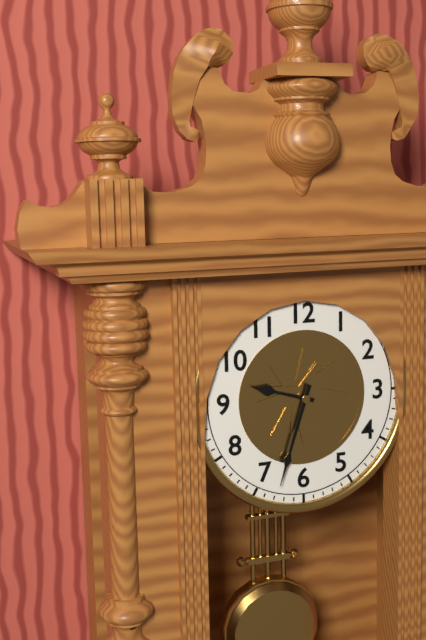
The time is **9:33**
